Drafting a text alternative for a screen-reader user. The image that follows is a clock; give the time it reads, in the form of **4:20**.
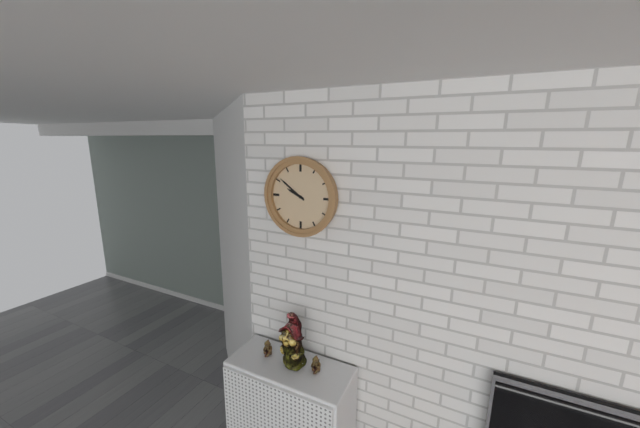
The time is **9:51**
